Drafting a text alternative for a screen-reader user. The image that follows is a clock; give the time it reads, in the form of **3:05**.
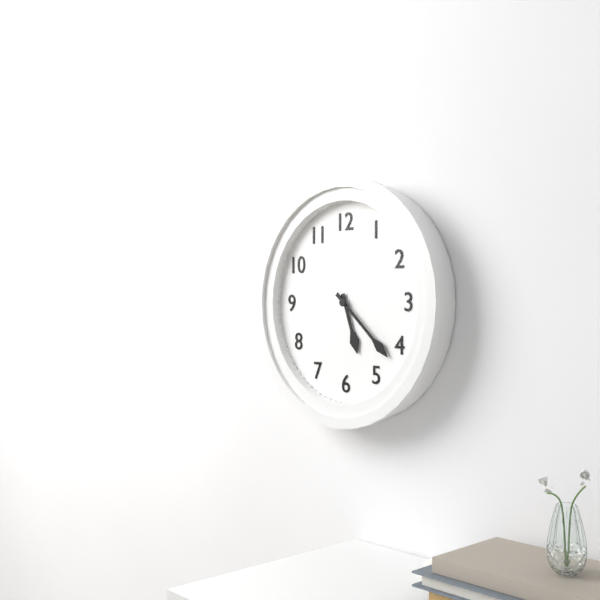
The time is **5:22**
